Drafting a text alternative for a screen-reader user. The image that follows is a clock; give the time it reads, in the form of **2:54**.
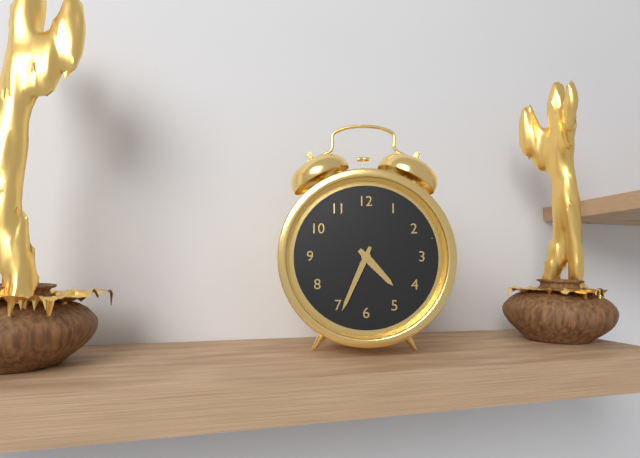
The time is **4:34**
